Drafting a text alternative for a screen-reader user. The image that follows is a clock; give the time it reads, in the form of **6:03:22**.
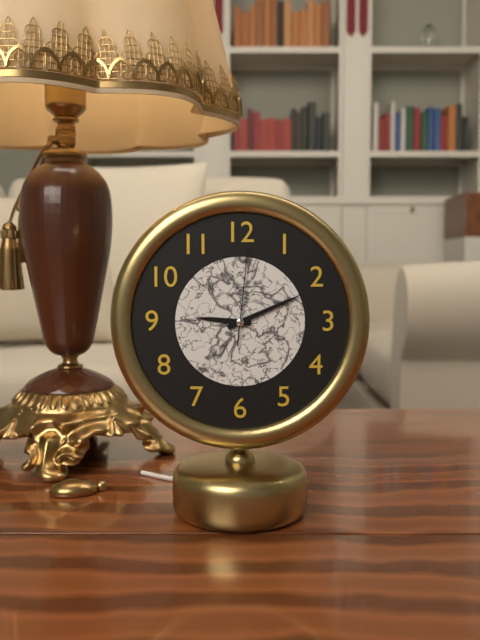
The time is **9:11:01**
